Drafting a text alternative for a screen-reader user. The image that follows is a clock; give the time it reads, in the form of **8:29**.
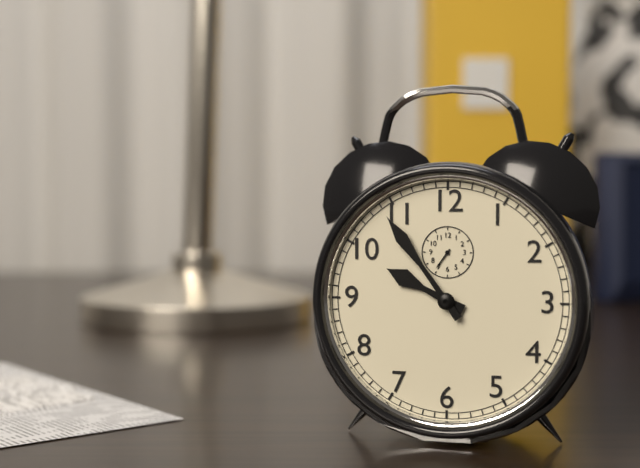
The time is **9:54**
